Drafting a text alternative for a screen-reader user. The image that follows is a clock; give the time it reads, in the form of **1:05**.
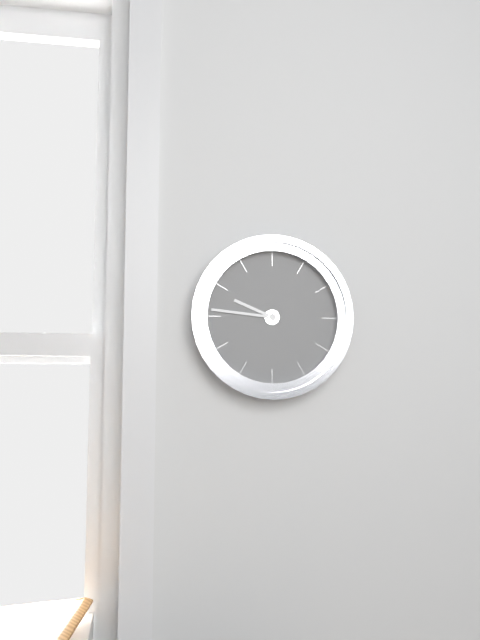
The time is **9:46**
